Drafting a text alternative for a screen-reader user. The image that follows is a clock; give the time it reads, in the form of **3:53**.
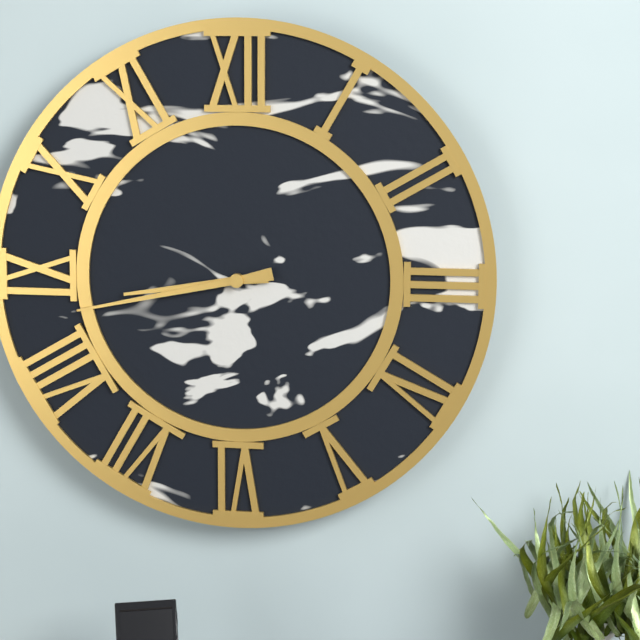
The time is **8:43**
